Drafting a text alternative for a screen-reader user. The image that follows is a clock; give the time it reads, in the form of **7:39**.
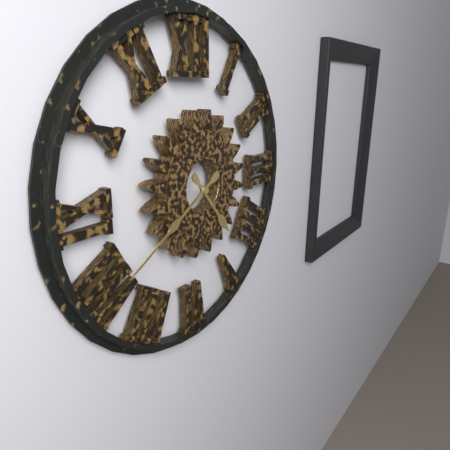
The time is **4:40**
